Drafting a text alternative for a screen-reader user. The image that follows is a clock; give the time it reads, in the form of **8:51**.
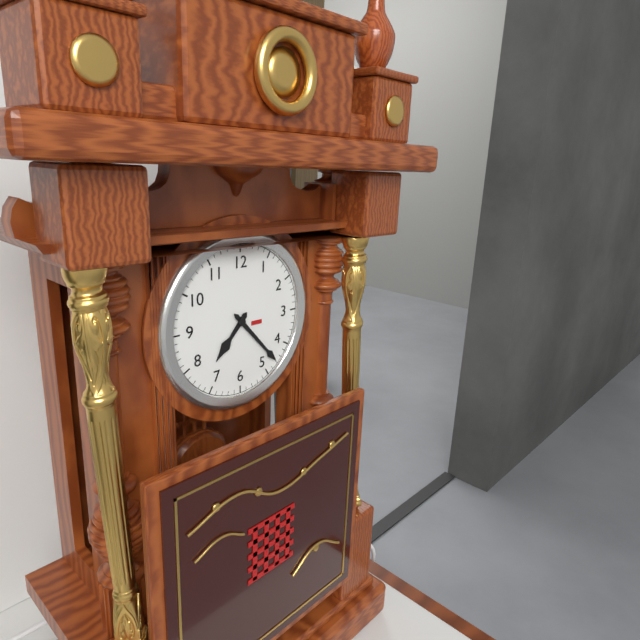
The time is **7:23**
